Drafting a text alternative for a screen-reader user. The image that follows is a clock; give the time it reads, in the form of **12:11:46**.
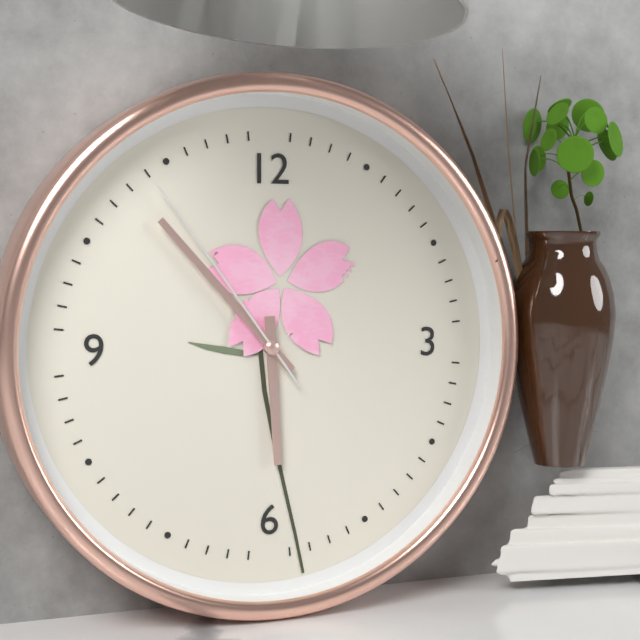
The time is **5:53:54**
